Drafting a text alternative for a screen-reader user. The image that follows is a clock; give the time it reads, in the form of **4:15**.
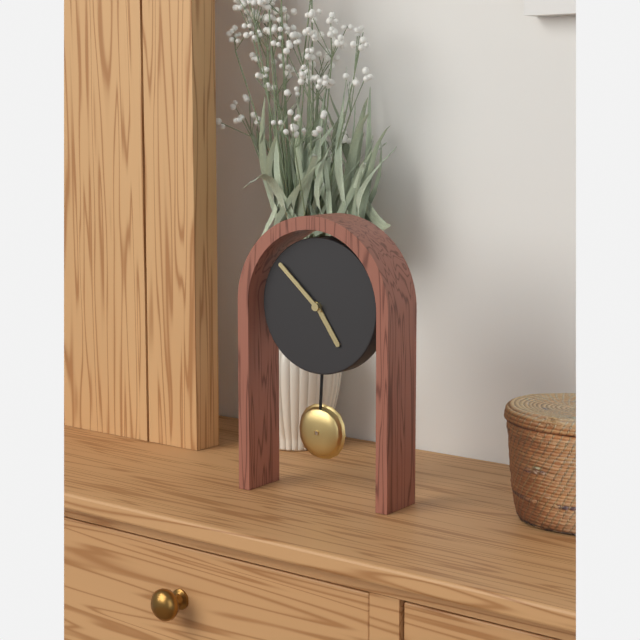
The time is **4:52**
